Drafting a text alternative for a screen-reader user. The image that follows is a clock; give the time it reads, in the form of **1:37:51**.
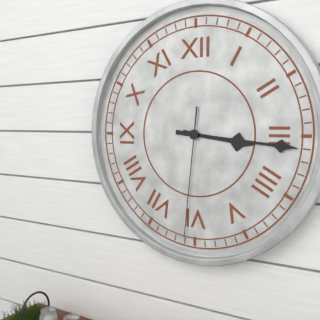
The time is **3:16:31**
